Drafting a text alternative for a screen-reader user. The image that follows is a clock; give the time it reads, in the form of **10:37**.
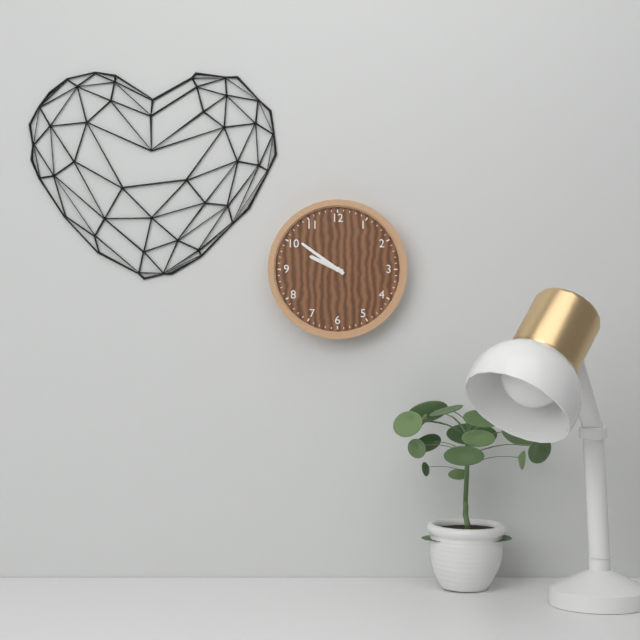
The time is **9:51**
